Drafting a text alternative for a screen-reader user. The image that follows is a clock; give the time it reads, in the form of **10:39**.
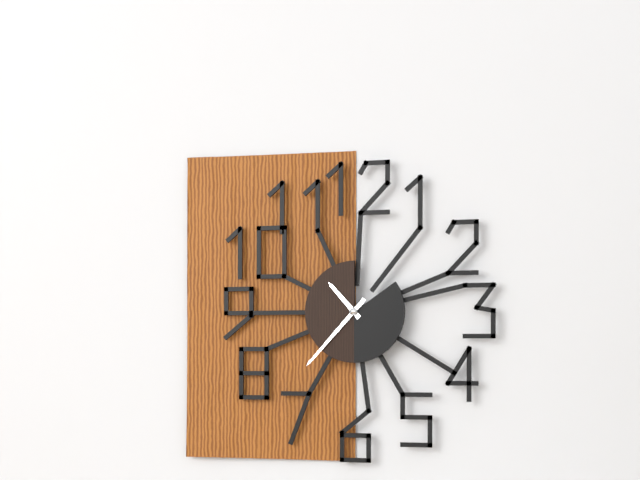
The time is **10:37**
